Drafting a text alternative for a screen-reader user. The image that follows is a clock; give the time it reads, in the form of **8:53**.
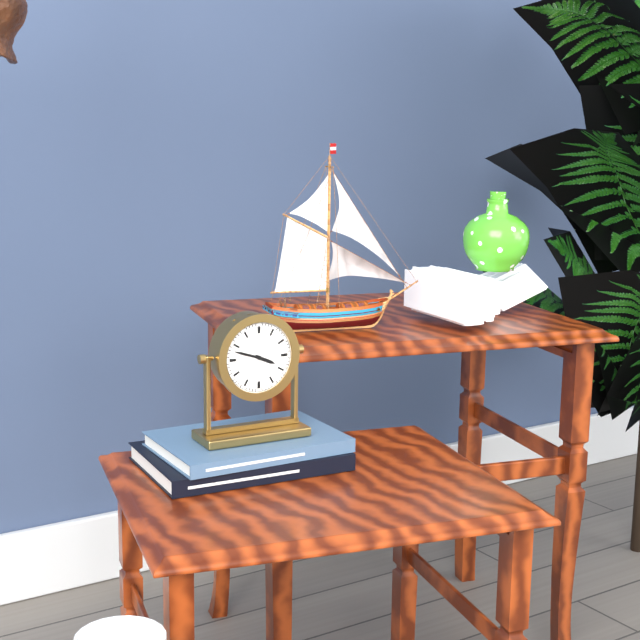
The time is **3:48**
